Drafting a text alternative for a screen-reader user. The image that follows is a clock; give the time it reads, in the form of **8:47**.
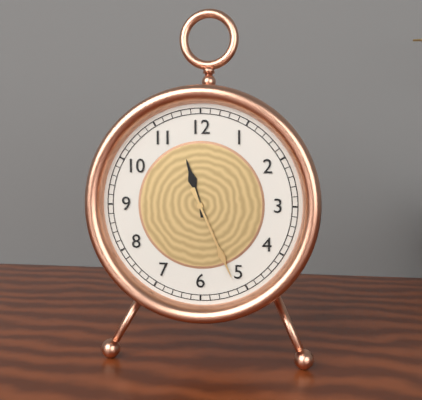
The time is **11:26**
